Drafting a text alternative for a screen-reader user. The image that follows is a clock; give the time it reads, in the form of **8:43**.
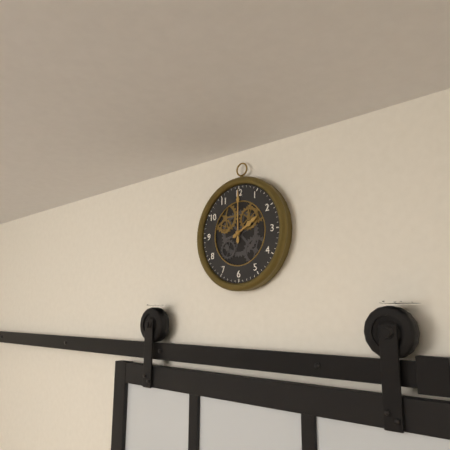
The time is **2:00**
